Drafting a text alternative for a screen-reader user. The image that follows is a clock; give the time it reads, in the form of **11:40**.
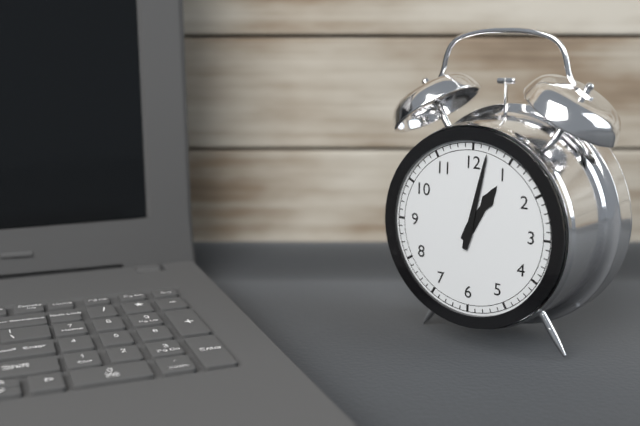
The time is **1:02**
